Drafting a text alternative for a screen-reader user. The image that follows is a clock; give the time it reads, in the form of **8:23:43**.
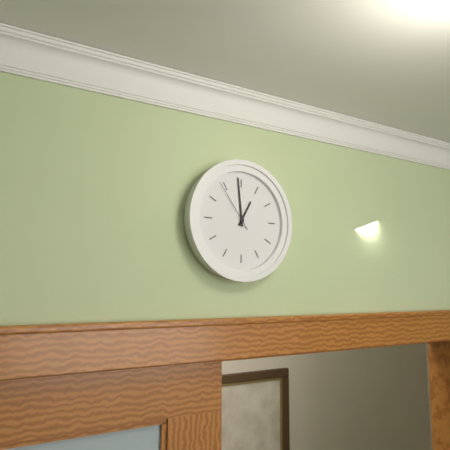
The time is **12:59:54**
